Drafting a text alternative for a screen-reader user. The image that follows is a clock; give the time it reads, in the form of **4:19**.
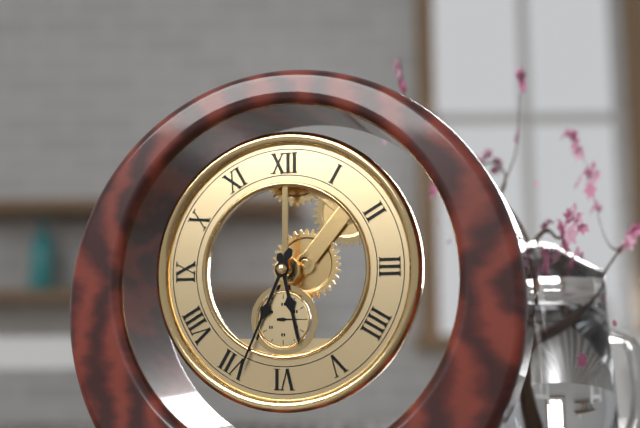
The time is **5:34**
